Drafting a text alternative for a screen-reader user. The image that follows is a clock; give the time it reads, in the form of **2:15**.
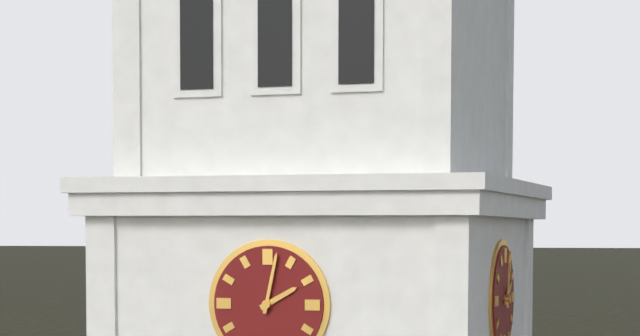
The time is **2:02**
